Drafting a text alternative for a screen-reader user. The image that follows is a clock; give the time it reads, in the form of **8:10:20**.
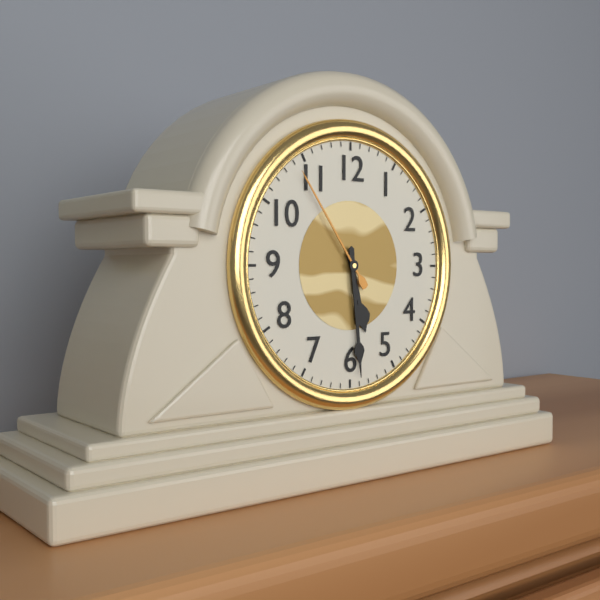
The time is **5:29:54**
